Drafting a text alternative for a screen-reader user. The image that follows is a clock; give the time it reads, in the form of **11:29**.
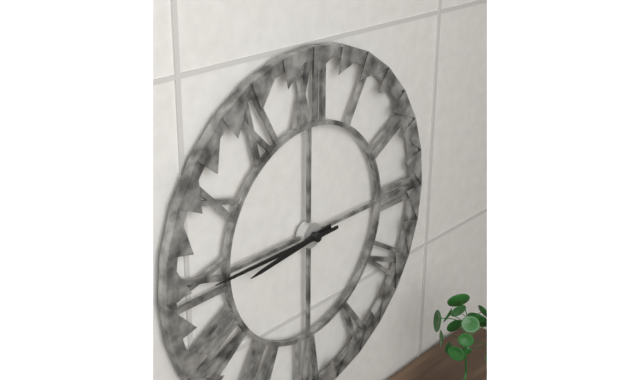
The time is **8:45**
